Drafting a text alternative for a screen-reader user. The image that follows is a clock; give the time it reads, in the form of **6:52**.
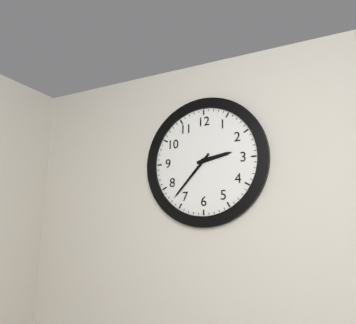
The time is **2:37**
